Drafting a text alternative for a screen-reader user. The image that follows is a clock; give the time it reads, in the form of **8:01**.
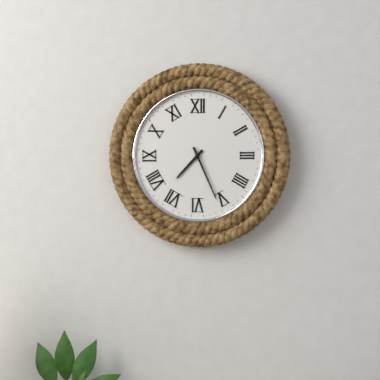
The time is **7:26**
